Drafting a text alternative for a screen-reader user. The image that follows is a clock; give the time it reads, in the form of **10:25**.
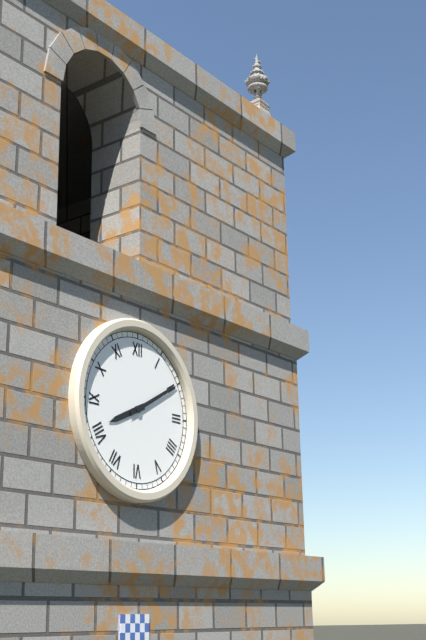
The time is **8:10**
